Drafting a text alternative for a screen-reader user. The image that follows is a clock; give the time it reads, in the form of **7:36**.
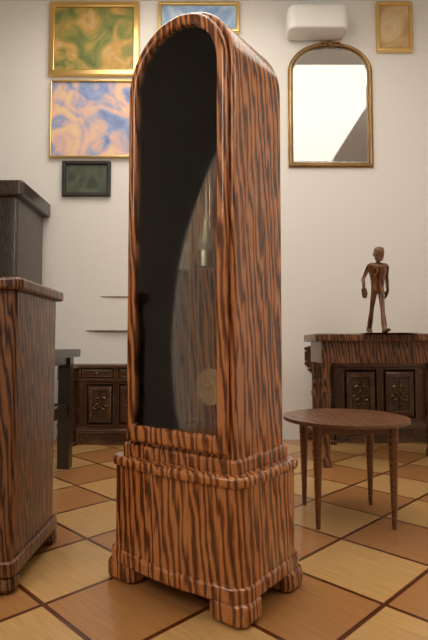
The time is **1:13**
